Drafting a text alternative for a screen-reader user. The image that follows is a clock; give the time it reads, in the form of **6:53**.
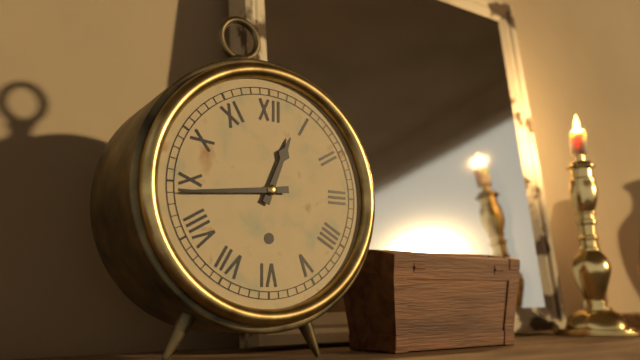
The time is **12:44**
